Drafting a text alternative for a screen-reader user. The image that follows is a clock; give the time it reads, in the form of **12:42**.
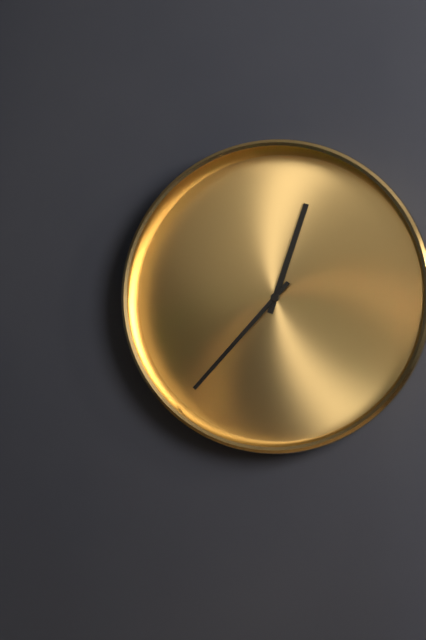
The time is **12:37**
